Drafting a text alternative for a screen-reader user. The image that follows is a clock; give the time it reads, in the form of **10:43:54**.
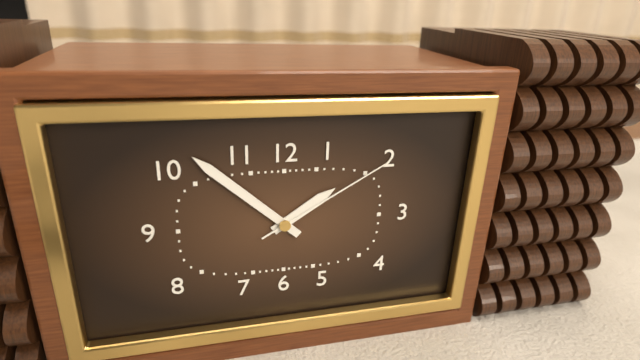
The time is **1:52:10**
